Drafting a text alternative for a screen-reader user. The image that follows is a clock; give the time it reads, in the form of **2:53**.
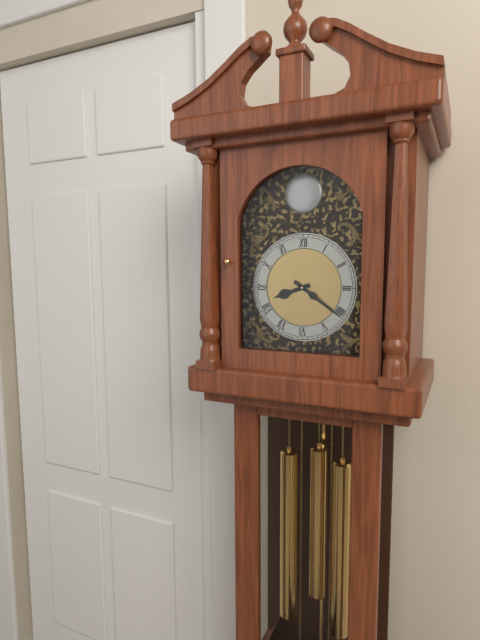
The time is **8:21**
